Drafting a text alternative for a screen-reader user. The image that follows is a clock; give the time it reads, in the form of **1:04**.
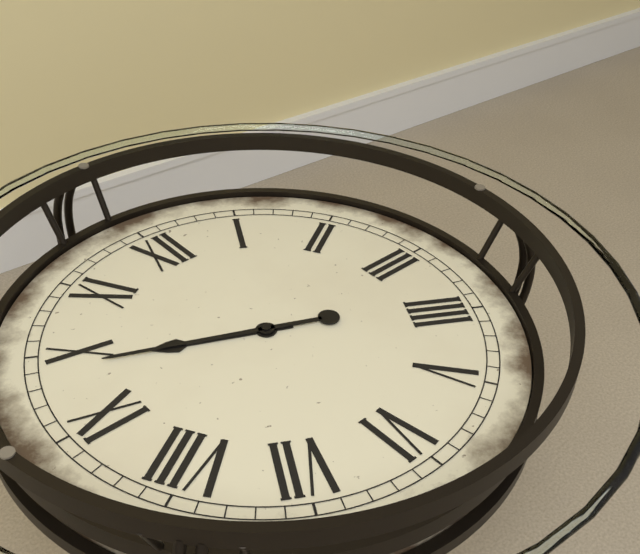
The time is **9:49**
